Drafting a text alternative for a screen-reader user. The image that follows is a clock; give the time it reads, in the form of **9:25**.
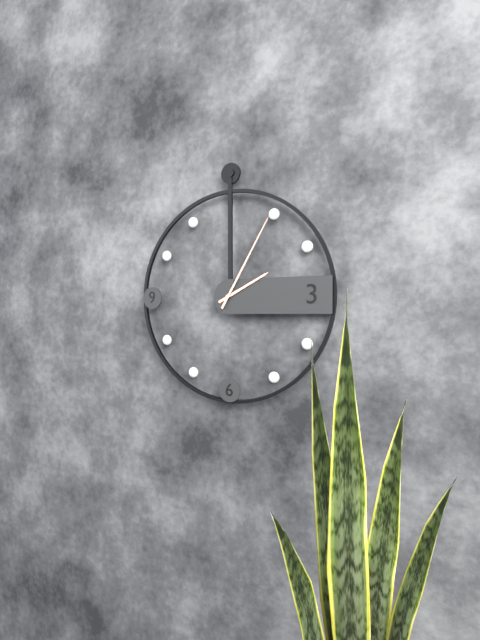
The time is **2:05**
